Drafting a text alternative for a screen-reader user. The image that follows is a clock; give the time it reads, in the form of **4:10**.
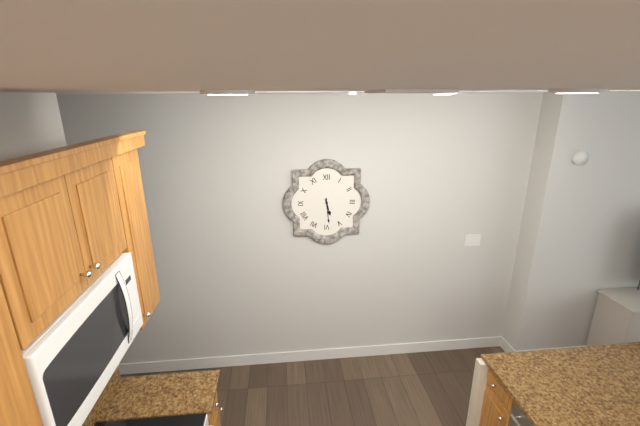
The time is **5:29**
